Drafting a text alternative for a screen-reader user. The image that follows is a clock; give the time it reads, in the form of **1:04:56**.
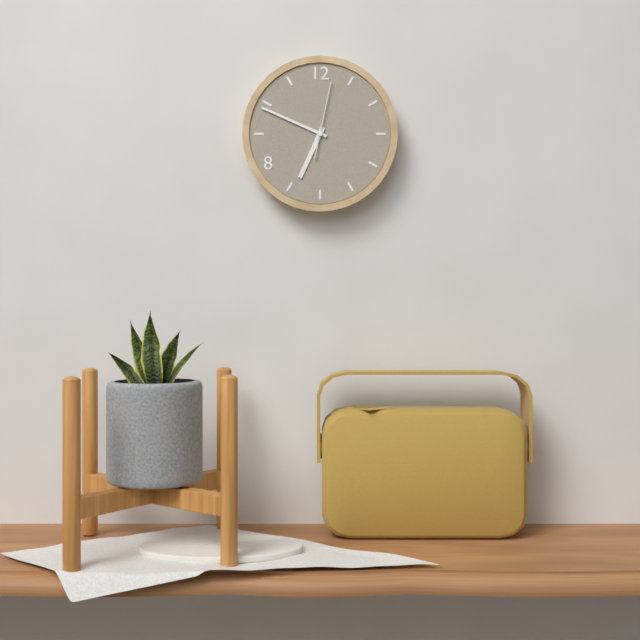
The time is **6:49:02**
